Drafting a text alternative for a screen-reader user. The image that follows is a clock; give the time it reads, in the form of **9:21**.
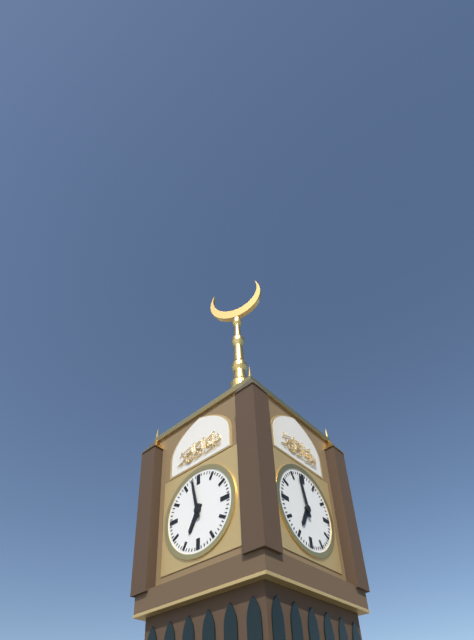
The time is **6:58**
